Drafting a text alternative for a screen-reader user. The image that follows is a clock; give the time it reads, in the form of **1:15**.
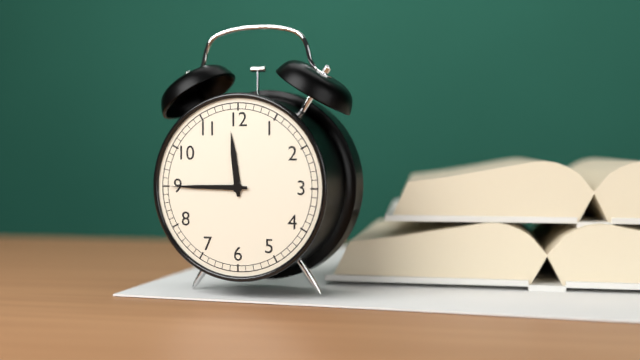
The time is **11:45**
